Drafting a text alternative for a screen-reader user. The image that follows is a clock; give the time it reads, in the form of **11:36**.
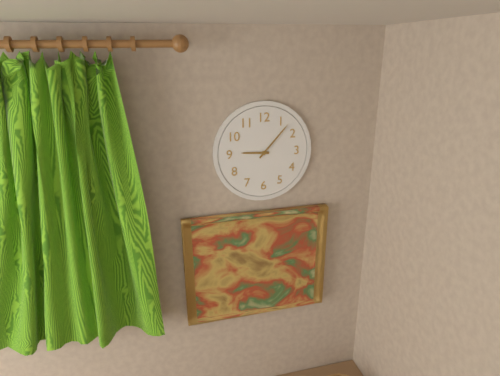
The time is **9:07**
